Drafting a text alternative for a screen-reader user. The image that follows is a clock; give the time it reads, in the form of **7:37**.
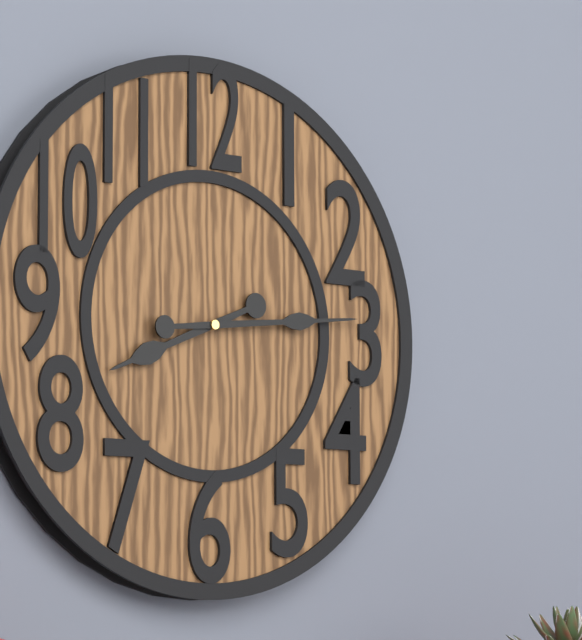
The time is **8:14**
